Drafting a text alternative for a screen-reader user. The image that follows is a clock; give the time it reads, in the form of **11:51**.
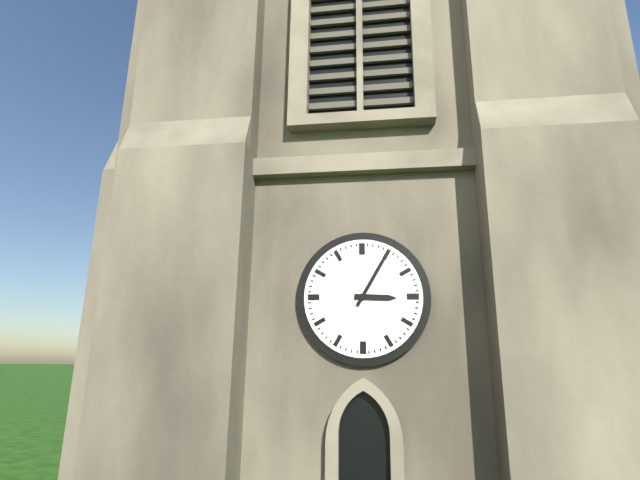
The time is **3:05**
